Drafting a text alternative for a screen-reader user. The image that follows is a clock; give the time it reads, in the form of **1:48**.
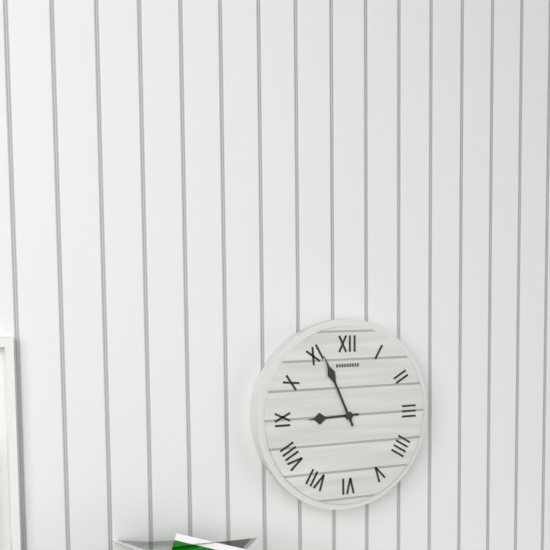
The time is **8:56**
